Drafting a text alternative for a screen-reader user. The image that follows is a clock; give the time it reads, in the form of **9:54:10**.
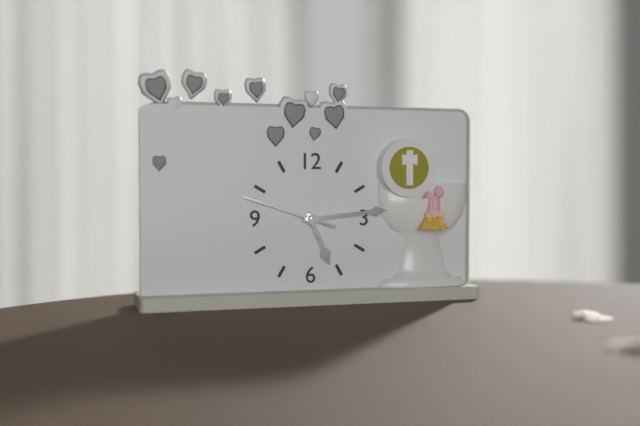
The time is **5:14:48**
